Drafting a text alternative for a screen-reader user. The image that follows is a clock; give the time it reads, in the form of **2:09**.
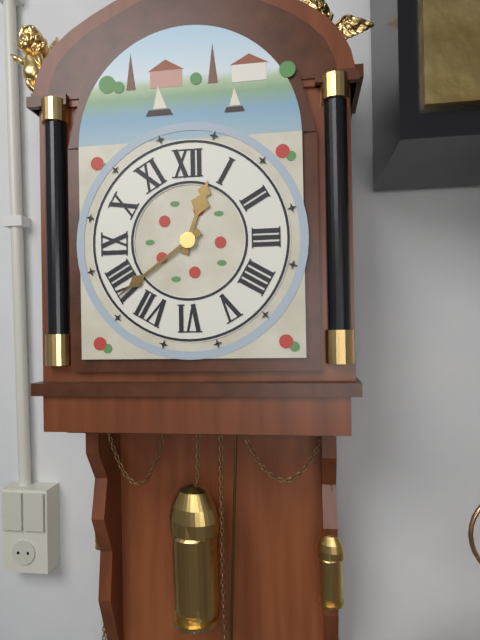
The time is **12:39**
